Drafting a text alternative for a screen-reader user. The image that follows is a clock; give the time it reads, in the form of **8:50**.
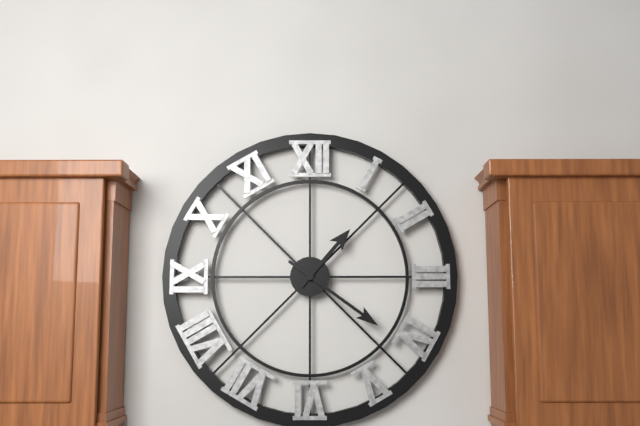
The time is **1:21**
